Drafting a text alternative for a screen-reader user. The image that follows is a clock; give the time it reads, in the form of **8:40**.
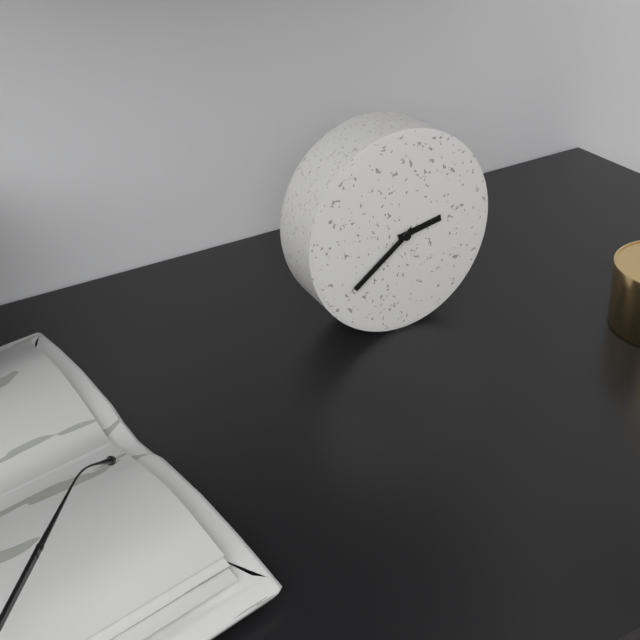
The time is **2:39**
